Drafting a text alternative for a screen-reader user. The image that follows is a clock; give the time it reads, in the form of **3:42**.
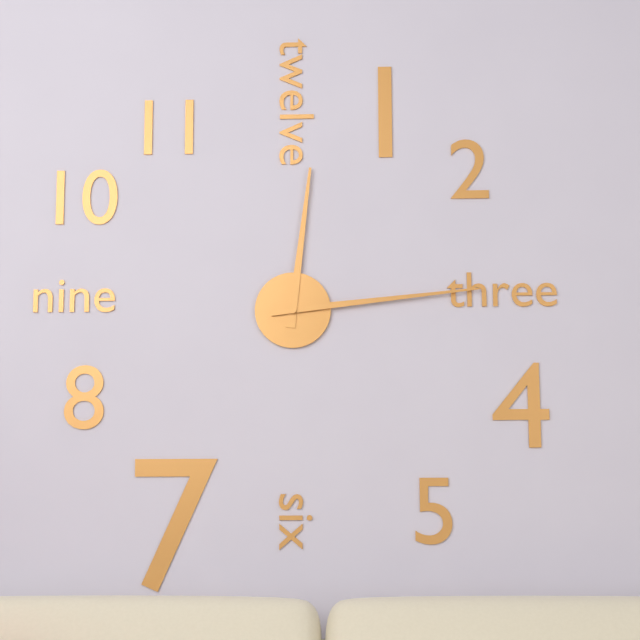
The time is **12:14**
